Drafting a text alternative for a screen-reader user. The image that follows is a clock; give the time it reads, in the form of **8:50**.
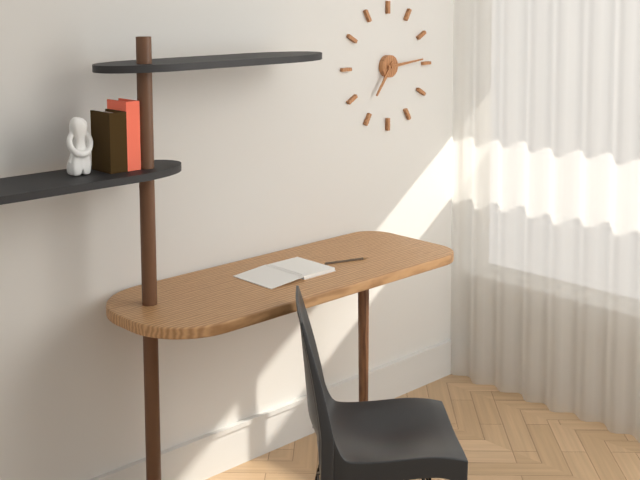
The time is **7:14**
